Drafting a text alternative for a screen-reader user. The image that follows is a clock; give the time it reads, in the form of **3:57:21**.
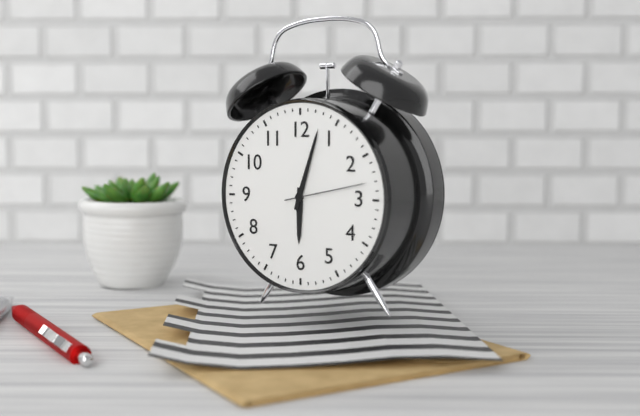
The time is **6:03:13**
